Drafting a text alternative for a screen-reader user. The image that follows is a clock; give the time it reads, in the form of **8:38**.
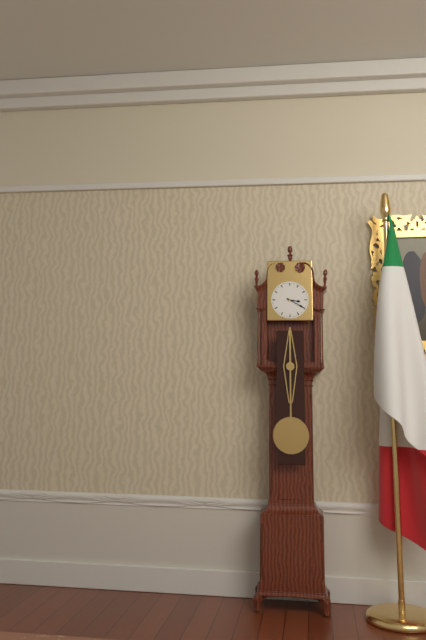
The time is **3:20**
